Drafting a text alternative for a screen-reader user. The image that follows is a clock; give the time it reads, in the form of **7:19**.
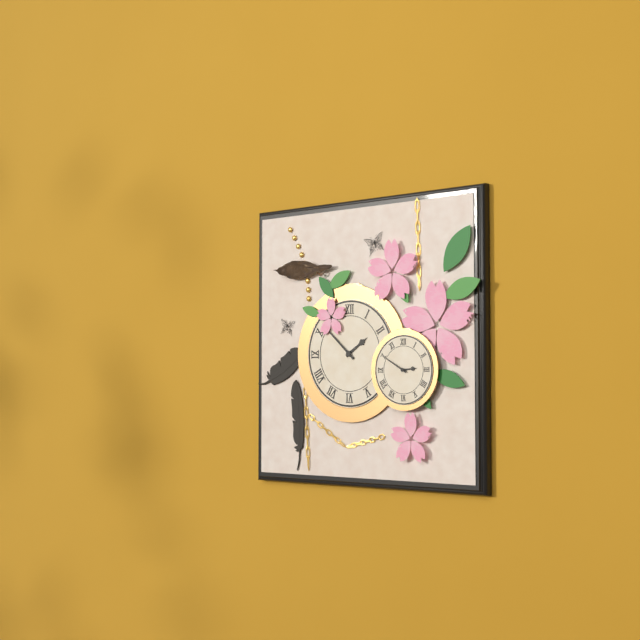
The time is **1:52**
